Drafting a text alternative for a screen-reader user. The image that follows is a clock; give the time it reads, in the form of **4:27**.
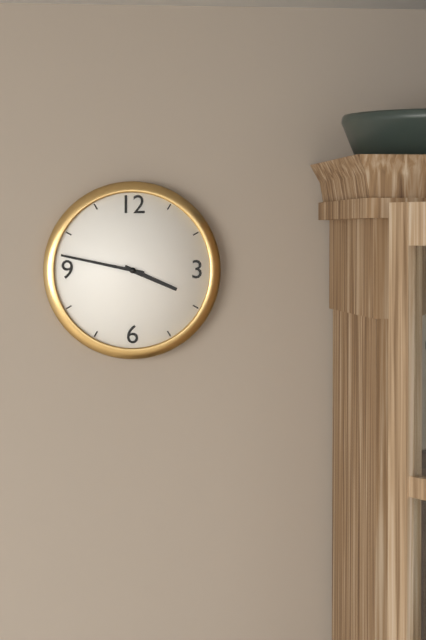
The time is **3:47**
